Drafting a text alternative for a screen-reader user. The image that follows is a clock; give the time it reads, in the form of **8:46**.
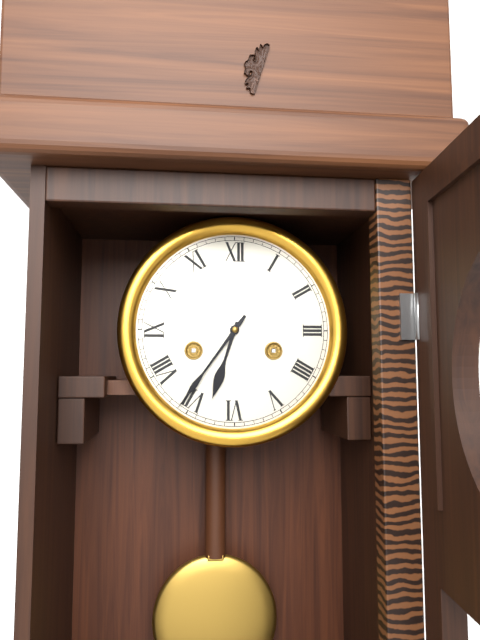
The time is **6:36**
